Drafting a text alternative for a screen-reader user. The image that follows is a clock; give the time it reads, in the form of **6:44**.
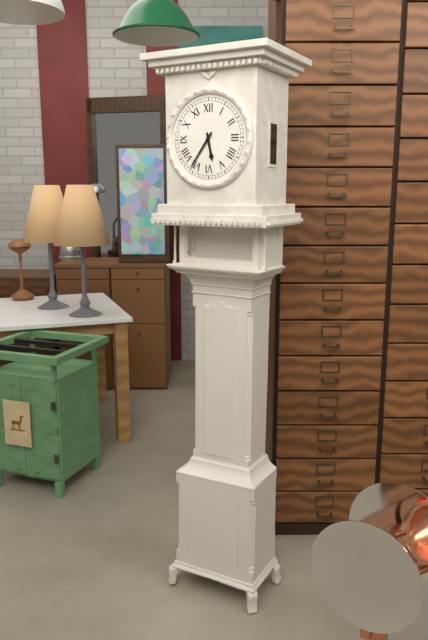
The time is **5:36**
